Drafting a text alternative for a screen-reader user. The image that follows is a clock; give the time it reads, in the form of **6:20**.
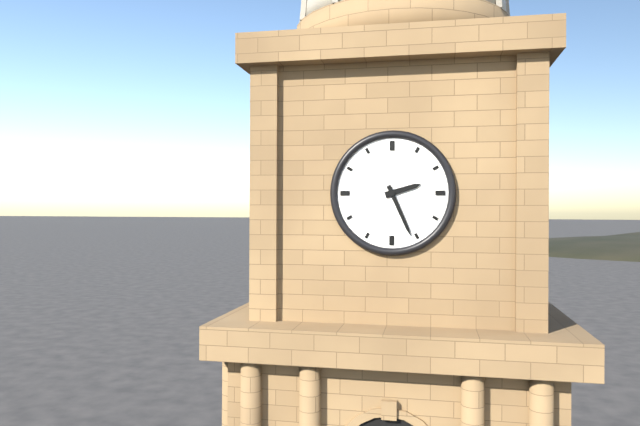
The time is **2:26**
